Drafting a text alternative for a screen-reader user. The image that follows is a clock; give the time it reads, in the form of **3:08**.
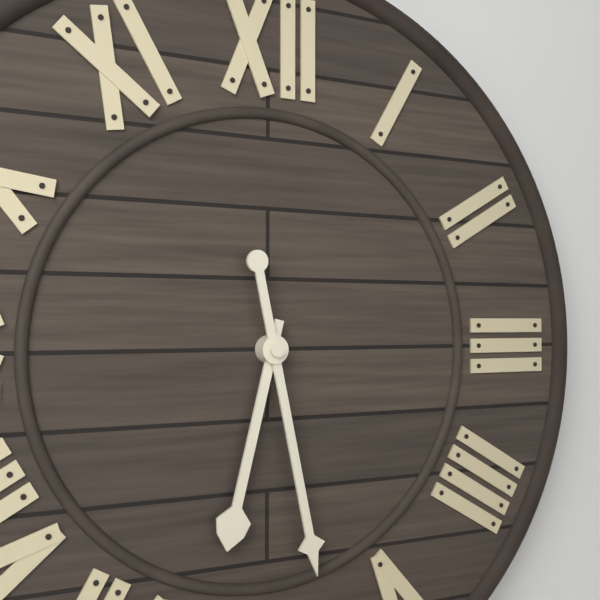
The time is **6:28**
